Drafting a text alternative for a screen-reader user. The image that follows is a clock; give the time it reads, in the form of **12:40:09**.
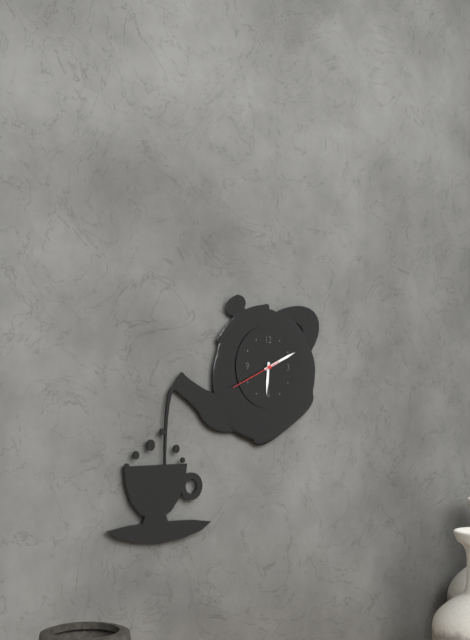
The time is **6:11:41**
